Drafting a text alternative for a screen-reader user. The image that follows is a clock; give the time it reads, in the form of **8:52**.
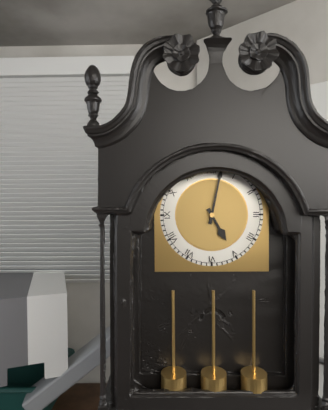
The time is **5:02**
